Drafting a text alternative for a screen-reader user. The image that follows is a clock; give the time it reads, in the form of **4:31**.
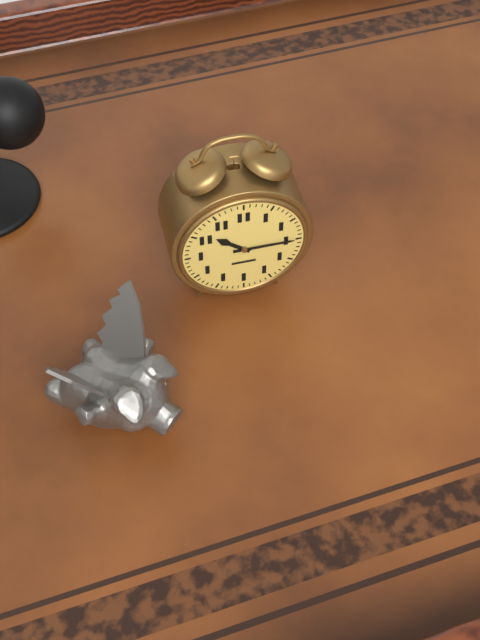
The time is **10:15**
